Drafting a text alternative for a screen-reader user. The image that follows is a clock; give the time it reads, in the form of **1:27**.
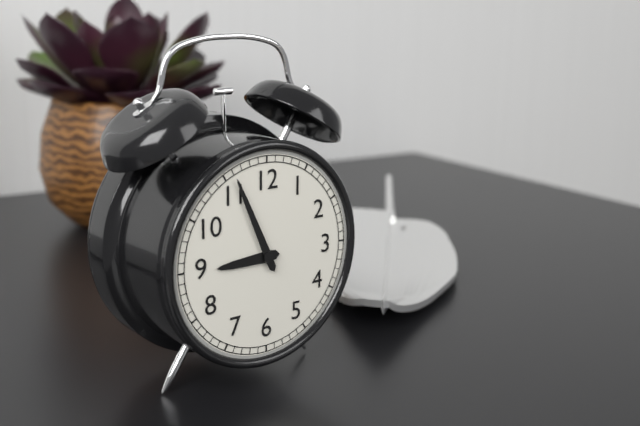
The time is **8:56**
